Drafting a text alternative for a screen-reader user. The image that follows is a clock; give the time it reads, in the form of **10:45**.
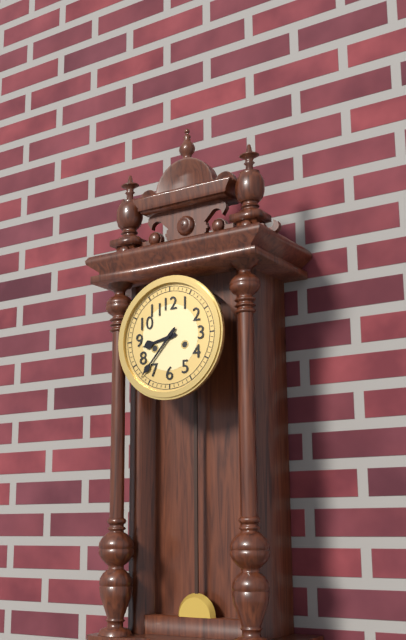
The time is **8:37**
